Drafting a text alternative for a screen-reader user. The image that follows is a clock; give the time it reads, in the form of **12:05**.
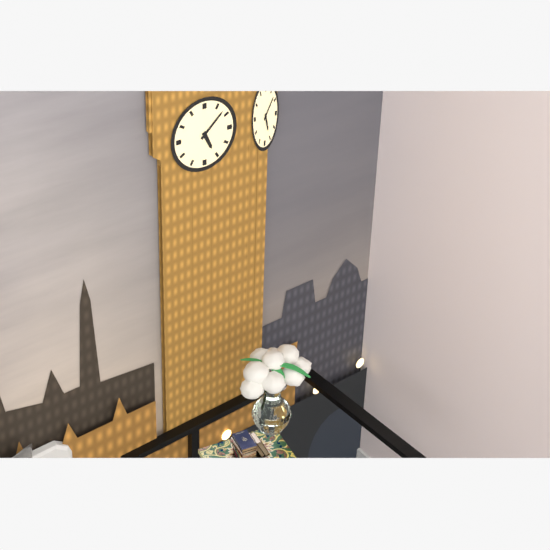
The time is **5:08**
